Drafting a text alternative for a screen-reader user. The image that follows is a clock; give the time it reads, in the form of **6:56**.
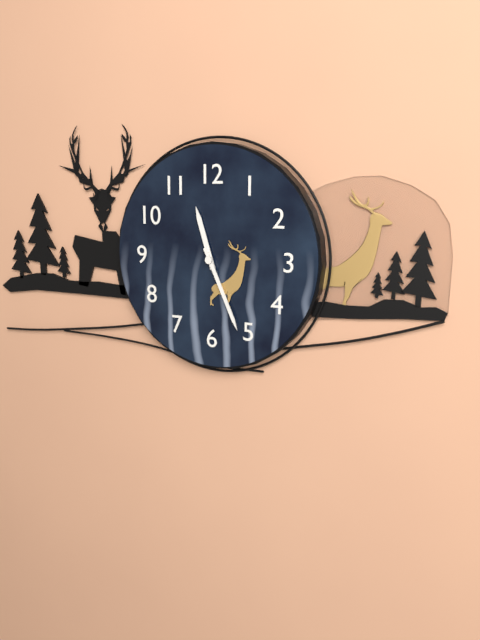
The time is **11:26**
